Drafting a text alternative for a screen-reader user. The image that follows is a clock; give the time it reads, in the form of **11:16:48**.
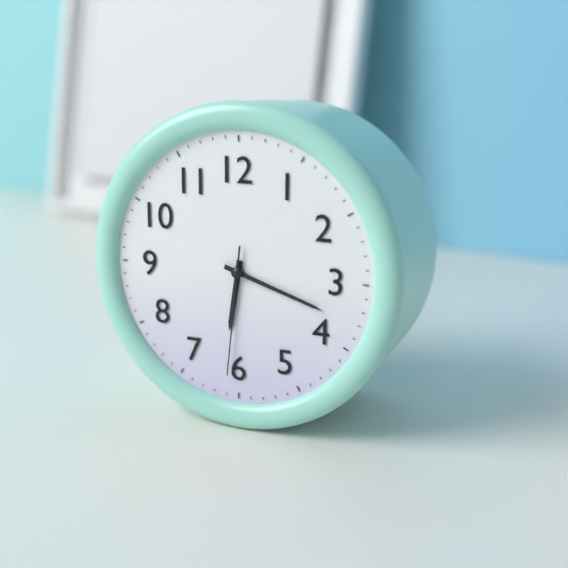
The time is **6:18:31**
